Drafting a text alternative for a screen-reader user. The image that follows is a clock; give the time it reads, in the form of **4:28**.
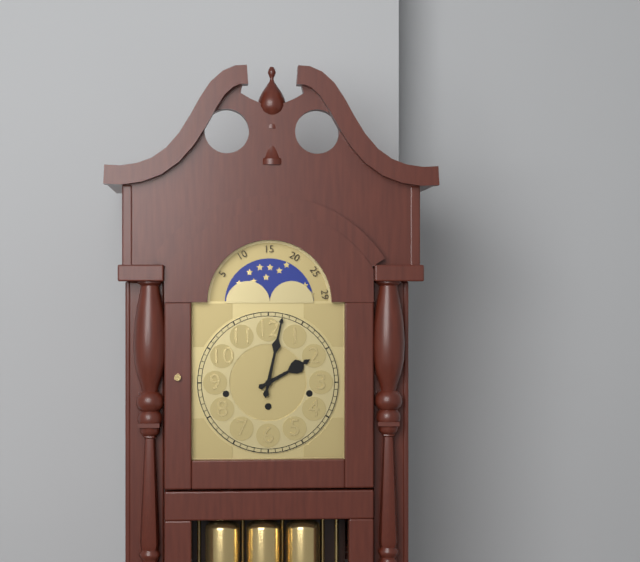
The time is **2:02**
